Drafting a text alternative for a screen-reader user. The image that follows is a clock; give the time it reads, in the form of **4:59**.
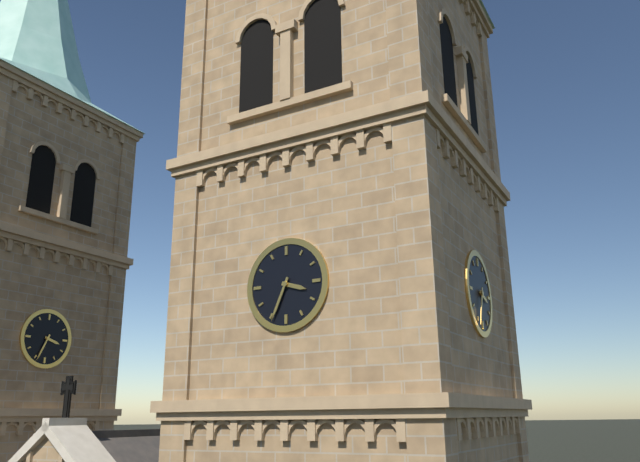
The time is **3:34**
